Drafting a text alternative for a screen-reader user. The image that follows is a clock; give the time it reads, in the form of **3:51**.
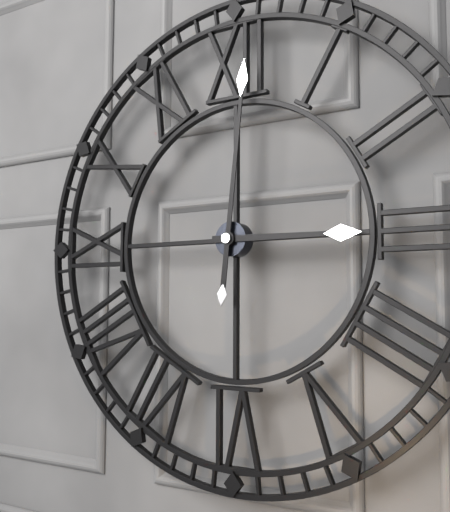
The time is **3:01**
